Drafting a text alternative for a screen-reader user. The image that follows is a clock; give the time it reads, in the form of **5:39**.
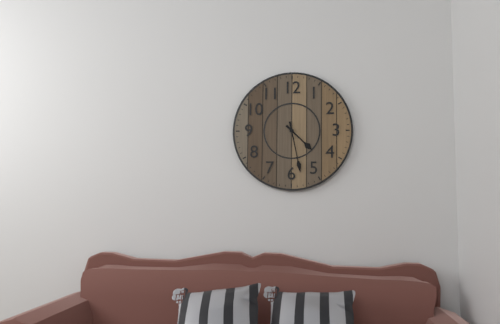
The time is **4:28**
